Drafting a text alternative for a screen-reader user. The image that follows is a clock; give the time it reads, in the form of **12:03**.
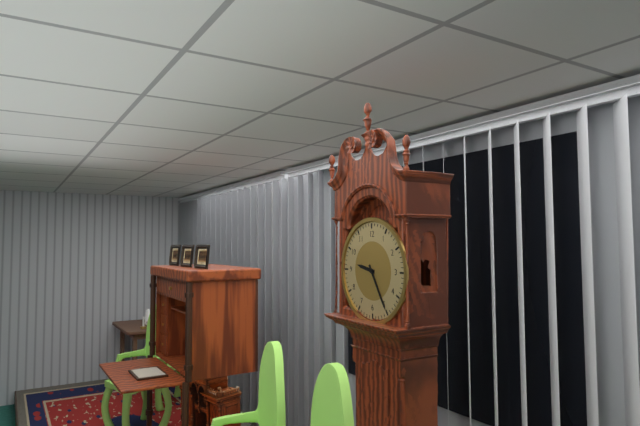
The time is **9:25**
